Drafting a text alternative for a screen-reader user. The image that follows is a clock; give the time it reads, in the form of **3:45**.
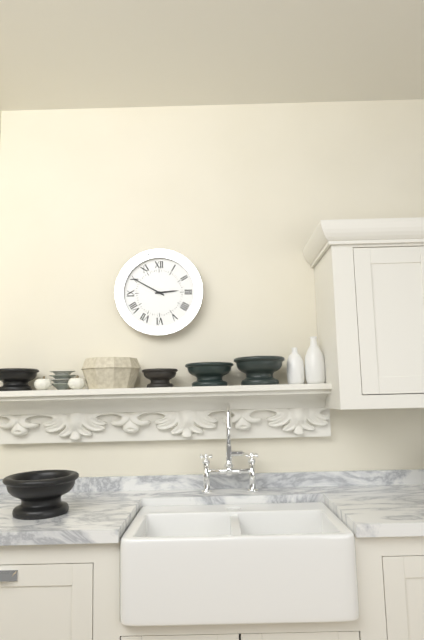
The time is **2:50**
